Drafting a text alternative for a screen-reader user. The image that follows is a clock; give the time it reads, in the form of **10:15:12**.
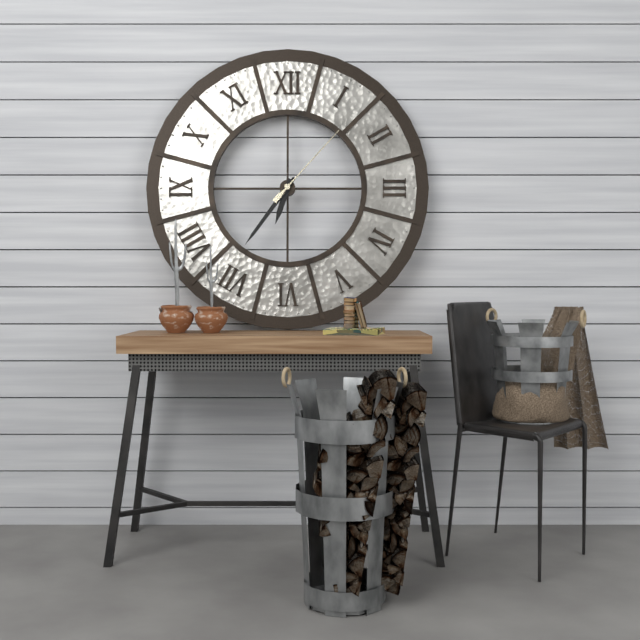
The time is **6:36:07**
